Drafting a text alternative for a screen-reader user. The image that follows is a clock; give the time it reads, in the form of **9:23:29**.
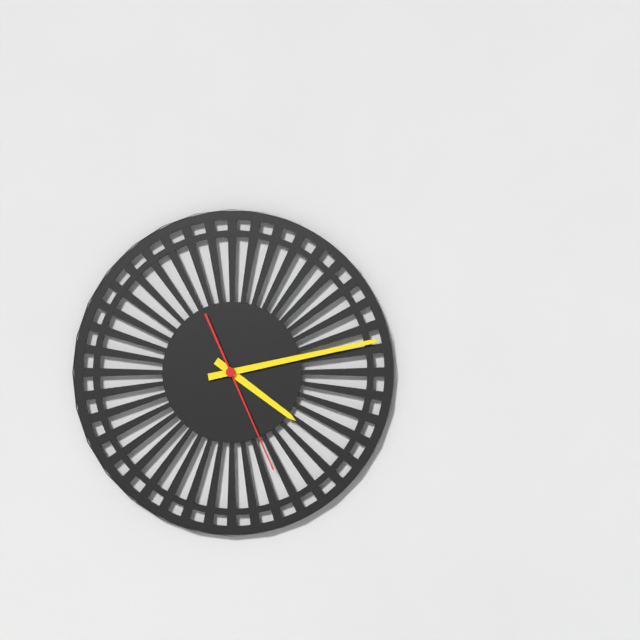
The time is **4:13:26**
